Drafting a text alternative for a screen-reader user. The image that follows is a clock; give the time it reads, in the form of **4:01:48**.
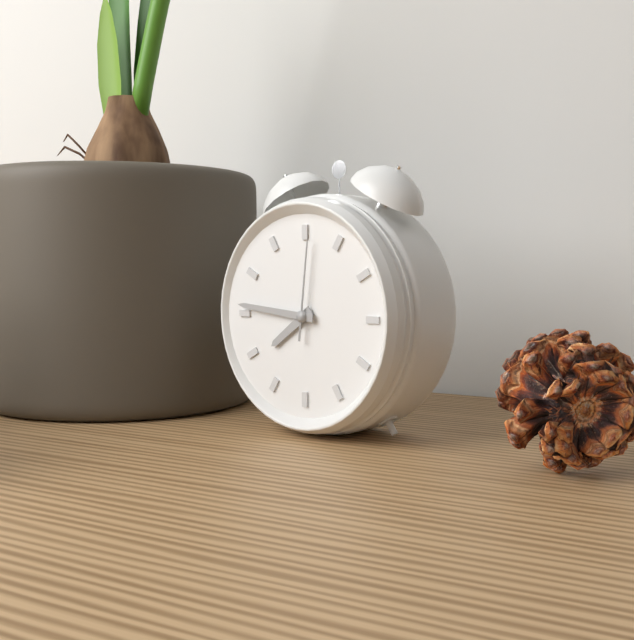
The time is **7:46:01**
